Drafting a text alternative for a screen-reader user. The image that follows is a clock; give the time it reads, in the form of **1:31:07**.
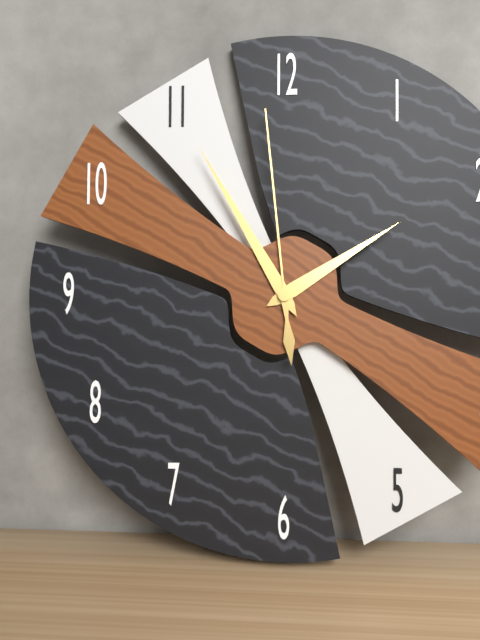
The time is **1:55:59**
